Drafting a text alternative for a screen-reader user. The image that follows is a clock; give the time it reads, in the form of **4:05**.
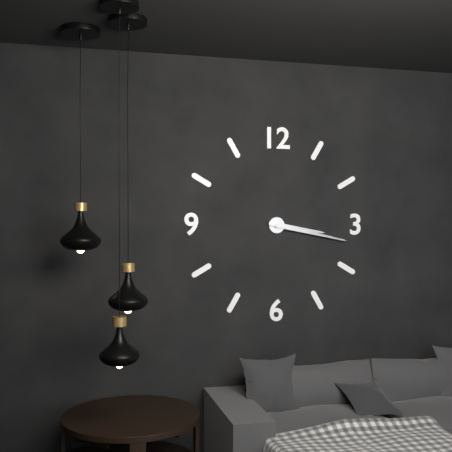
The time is **3:17**
